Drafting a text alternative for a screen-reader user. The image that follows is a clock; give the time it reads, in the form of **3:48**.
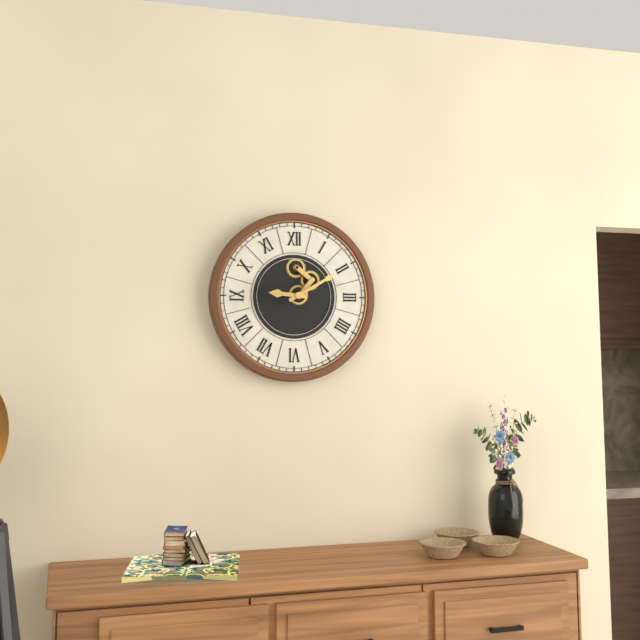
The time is **9:10**
